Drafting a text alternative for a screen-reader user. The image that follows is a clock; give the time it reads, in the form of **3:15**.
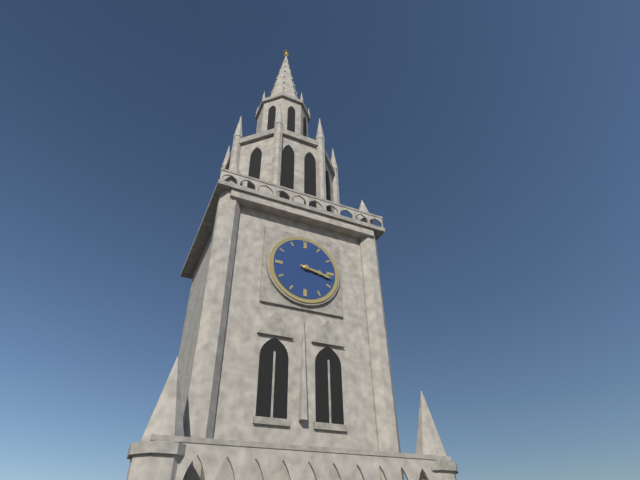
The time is **3:17**
